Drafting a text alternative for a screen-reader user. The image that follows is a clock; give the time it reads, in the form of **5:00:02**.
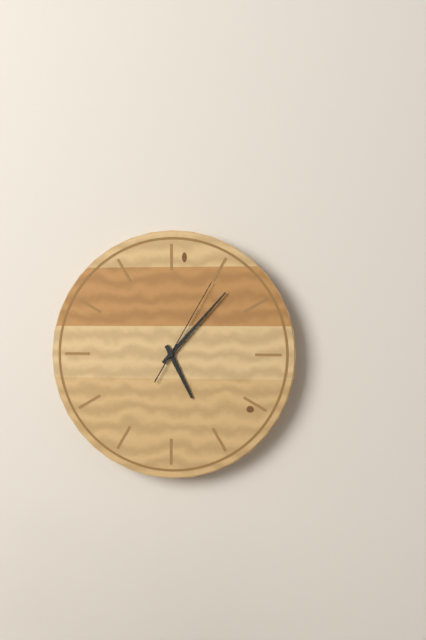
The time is **5:07:05**
